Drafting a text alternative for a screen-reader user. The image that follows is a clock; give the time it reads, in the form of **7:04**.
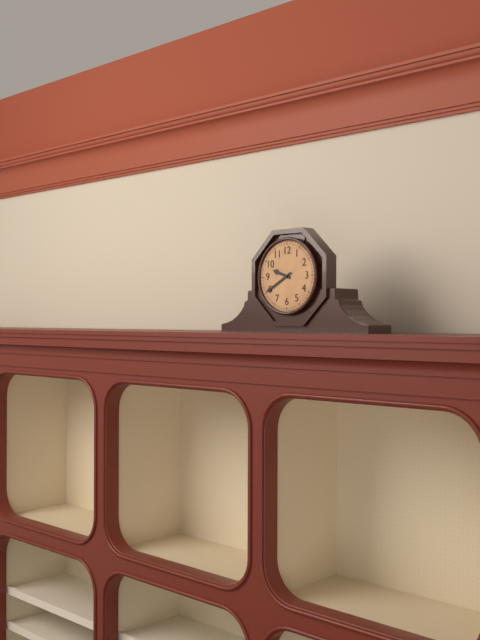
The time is **9:40**
